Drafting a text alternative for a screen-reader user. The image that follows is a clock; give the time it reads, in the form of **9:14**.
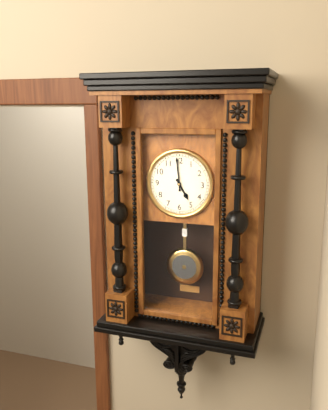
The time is **4:59**
